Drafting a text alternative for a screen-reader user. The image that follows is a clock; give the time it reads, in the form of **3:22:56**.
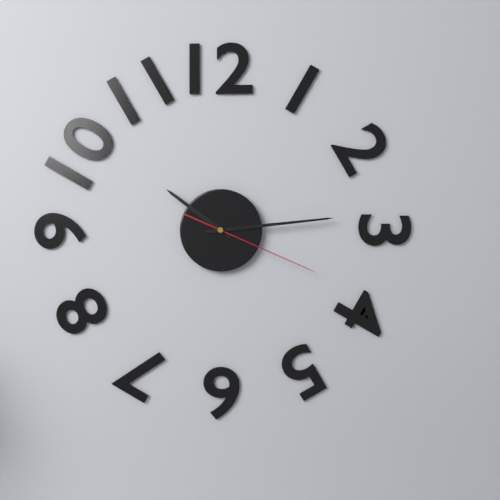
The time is **10:14:19**
